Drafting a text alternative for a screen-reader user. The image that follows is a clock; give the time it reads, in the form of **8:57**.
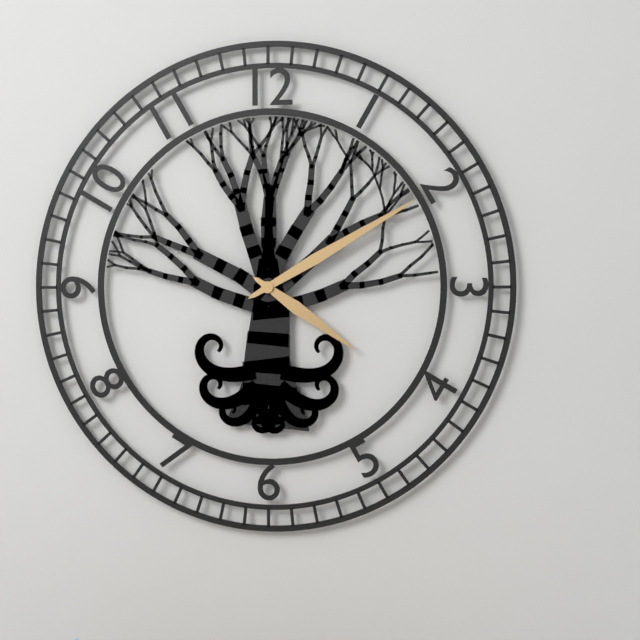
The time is **4:10**
